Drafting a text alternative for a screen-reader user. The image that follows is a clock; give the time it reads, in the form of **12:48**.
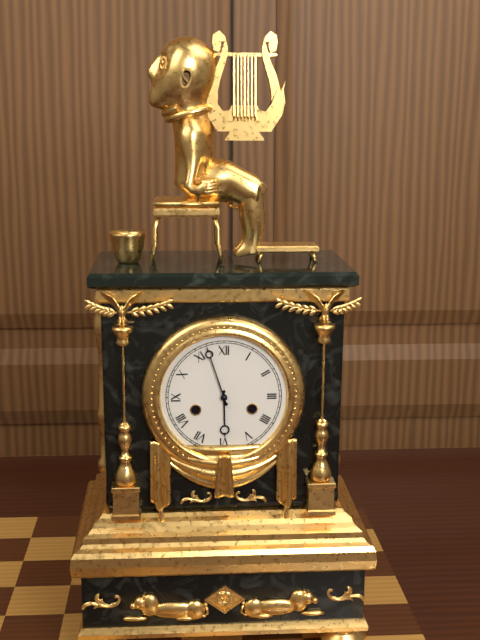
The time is **5:57**
